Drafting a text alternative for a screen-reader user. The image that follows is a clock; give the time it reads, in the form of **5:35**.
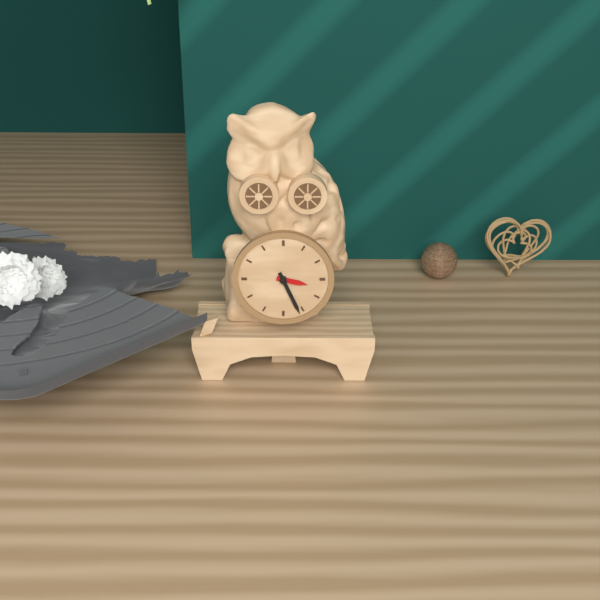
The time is **3:26**
